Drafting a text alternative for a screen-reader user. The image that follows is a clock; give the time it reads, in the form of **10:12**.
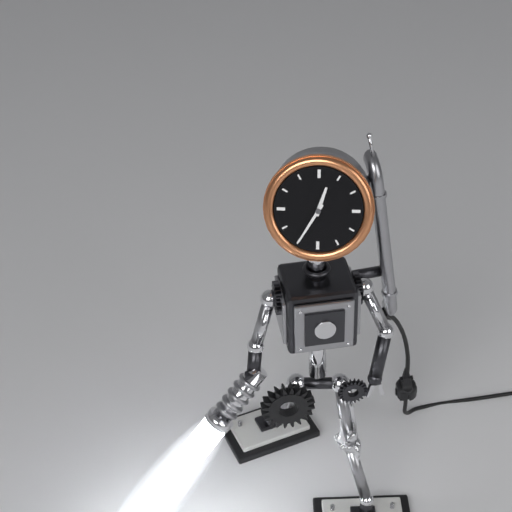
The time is **12:35**
